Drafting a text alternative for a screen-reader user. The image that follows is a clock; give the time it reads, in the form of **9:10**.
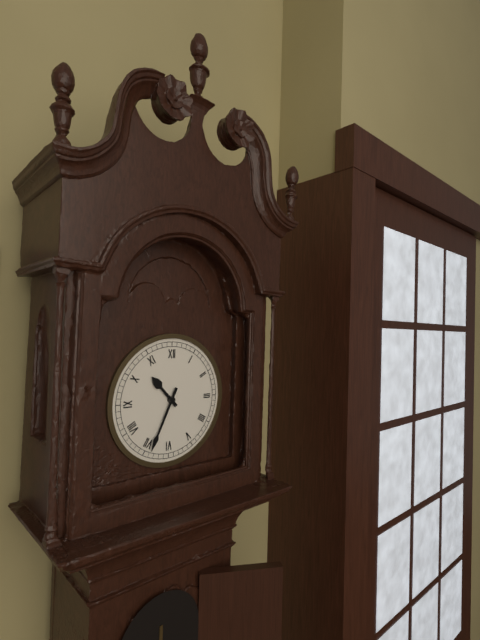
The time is **10:34**
